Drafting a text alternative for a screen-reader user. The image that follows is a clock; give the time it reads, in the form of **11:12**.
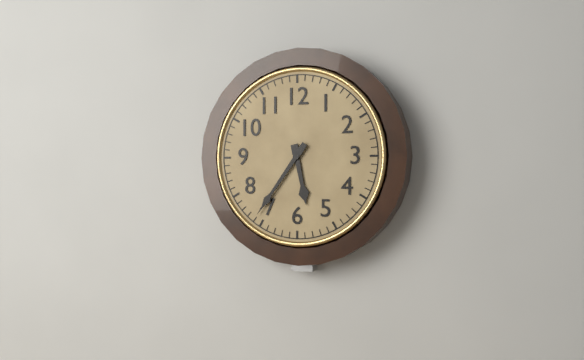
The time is **5:36**
